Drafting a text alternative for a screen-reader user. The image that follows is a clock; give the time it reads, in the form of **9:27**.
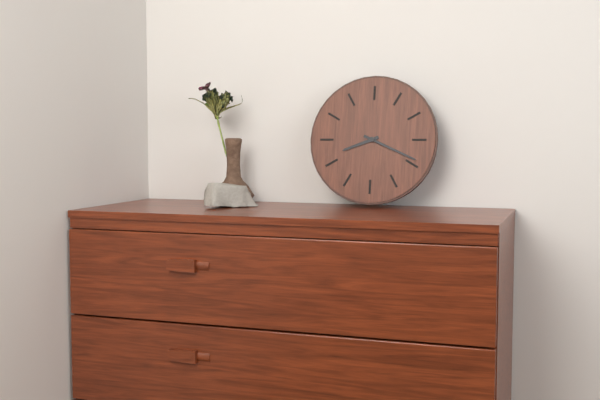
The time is **8:19**
